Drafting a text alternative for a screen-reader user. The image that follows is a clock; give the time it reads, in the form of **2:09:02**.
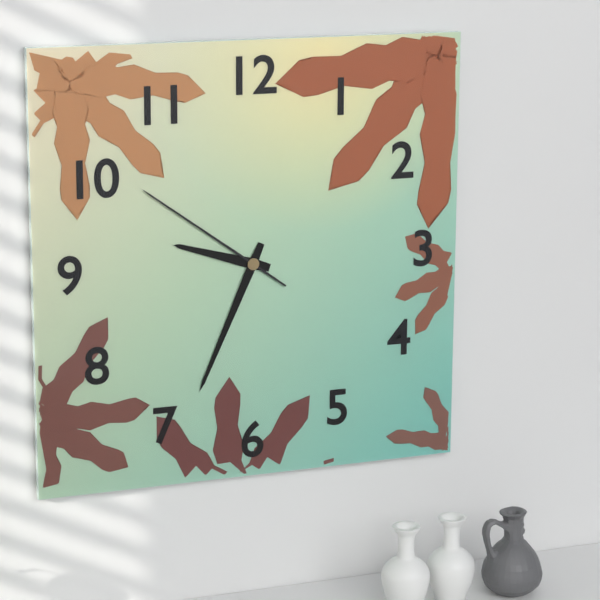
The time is **9:34:51**
